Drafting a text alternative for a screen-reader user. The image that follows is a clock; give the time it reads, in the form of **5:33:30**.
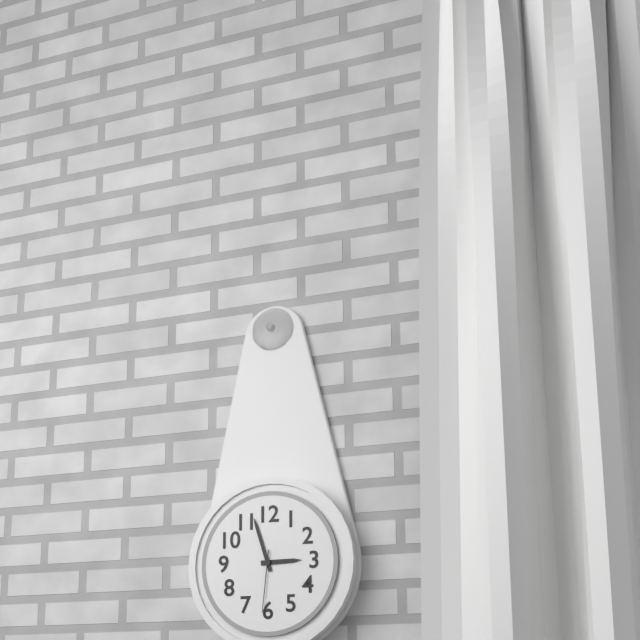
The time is **2:57:31**
